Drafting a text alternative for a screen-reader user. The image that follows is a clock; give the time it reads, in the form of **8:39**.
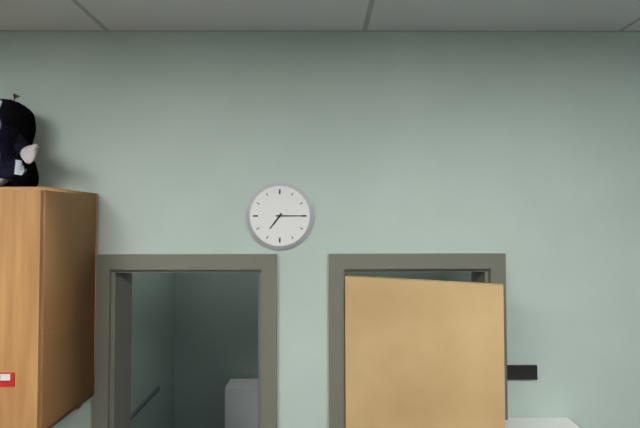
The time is **7:15**
